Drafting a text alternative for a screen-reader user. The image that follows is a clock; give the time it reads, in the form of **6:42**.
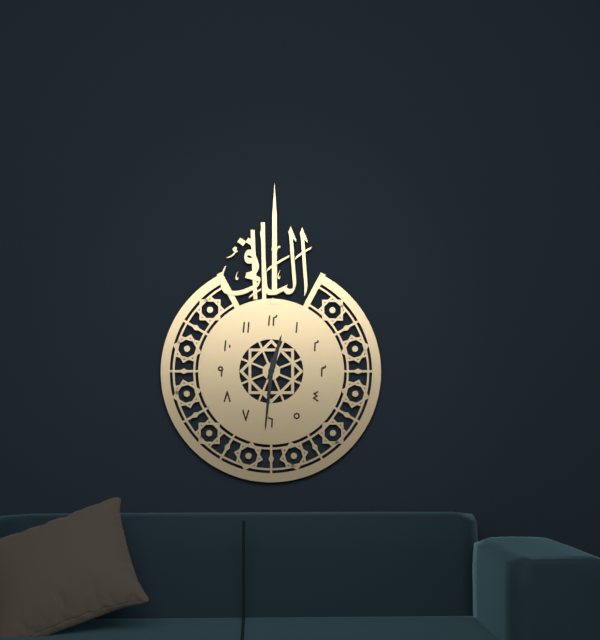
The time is **12:31**
